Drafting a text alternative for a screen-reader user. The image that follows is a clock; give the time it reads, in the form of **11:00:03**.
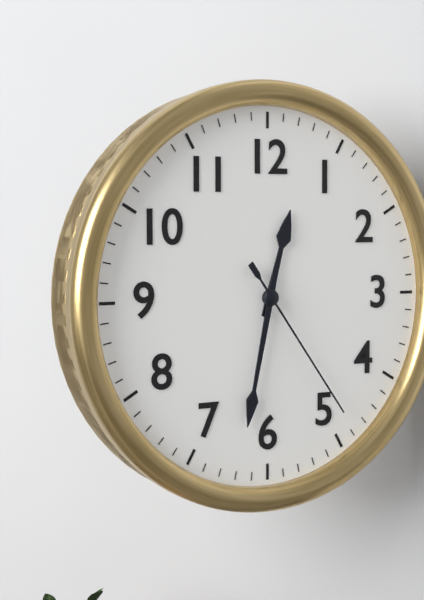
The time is **12:32:24**
